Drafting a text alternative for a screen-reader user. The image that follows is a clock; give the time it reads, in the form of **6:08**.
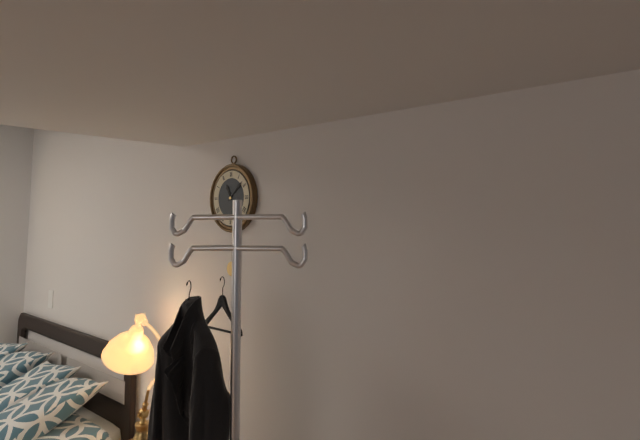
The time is **11:08**
